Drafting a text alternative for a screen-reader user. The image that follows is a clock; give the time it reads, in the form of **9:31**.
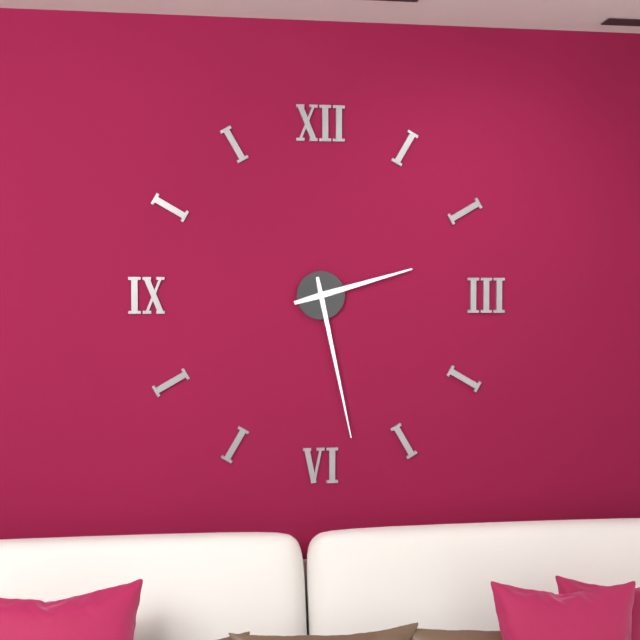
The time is **2:28**
